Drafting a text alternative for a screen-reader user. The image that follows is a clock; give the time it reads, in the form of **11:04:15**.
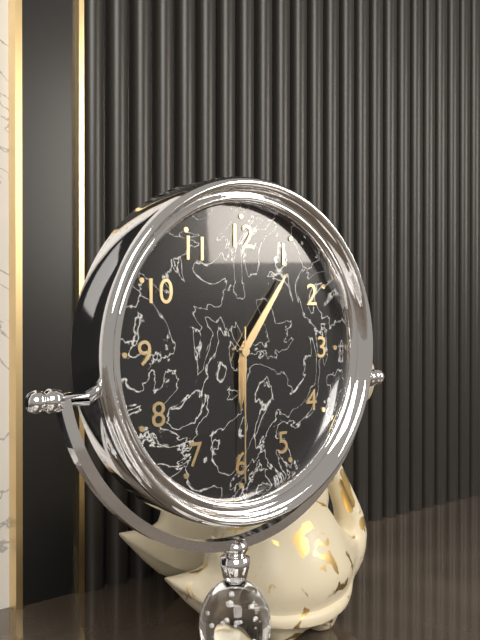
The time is **6:06:30**
